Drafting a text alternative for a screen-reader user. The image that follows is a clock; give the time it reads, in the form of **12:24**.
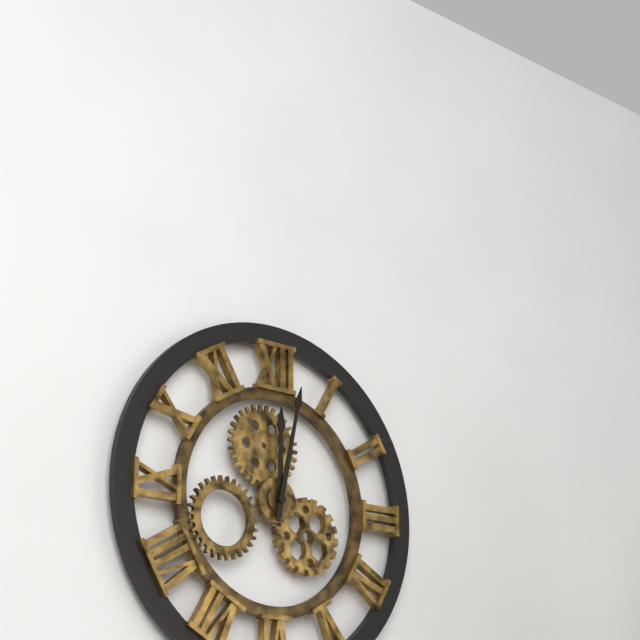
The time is **12:02**
